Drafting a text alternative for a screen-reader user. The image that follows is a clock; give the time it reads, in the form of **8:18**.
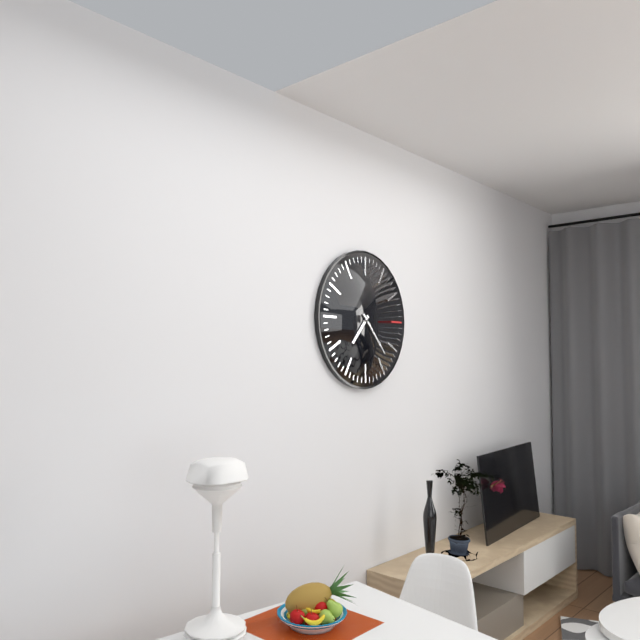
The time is **7:23**
